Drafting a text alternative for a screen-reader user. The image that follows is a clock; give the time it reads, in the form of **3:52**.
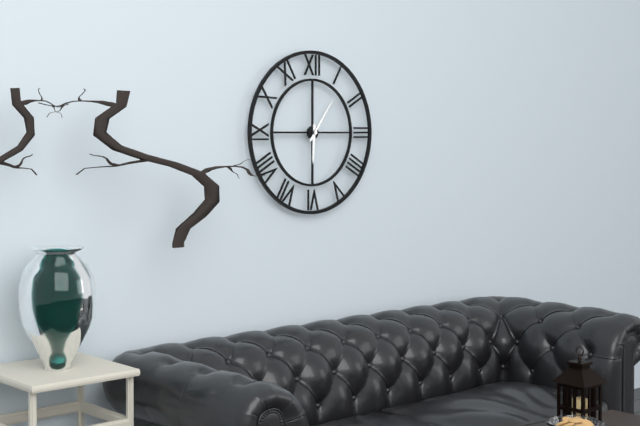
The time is **6:06**
